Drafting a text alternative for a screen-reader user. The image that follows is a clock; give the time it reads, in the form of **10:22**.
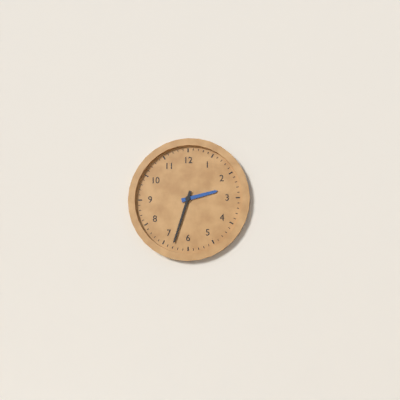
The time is **2:33**
